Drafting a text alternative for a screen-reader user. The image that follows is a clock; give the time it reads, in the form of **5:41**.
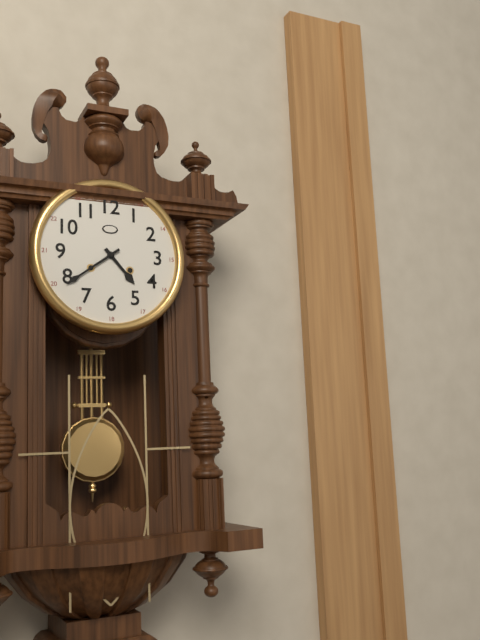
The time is **4:39**
